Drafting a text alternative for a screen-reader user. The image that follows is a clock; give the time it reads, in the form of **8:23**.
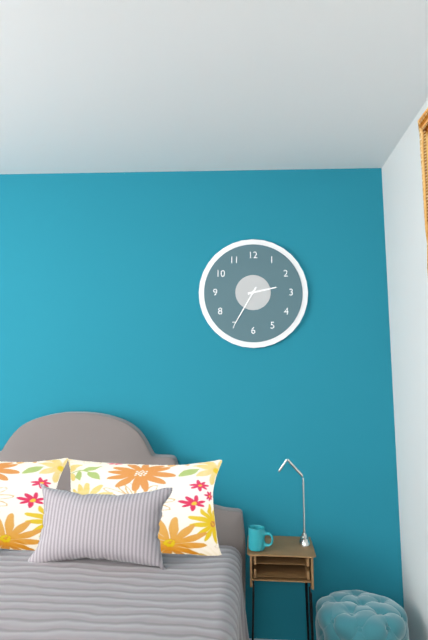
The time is **2:35**
